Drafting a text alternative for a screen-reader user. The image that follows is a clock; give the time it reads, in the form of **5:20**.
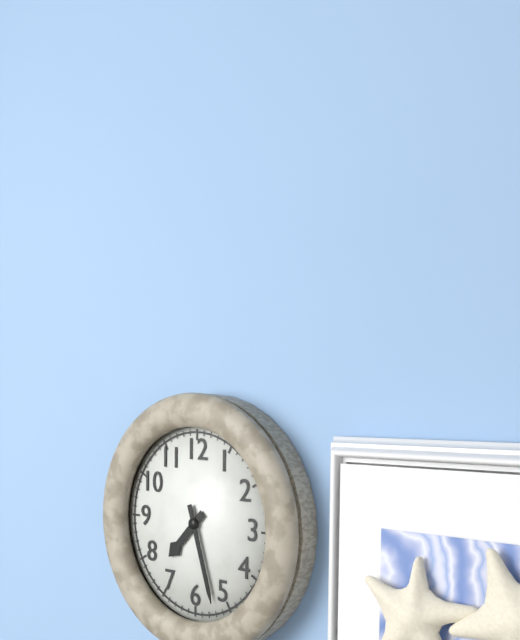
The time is **7:27**
